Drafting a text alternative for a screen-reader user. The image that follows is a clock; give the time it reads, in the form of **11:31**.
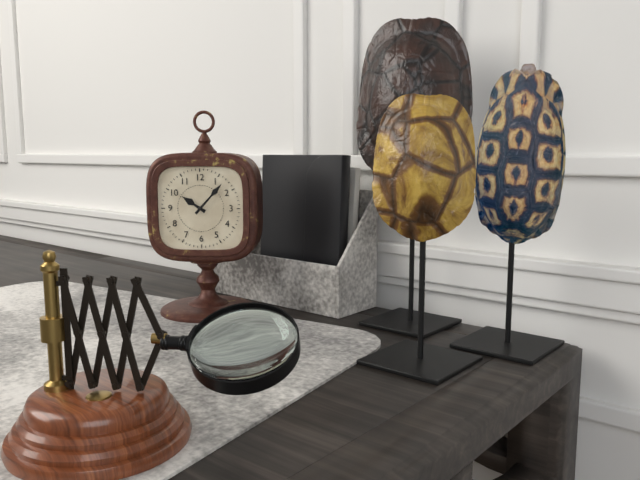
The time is **10:07**
